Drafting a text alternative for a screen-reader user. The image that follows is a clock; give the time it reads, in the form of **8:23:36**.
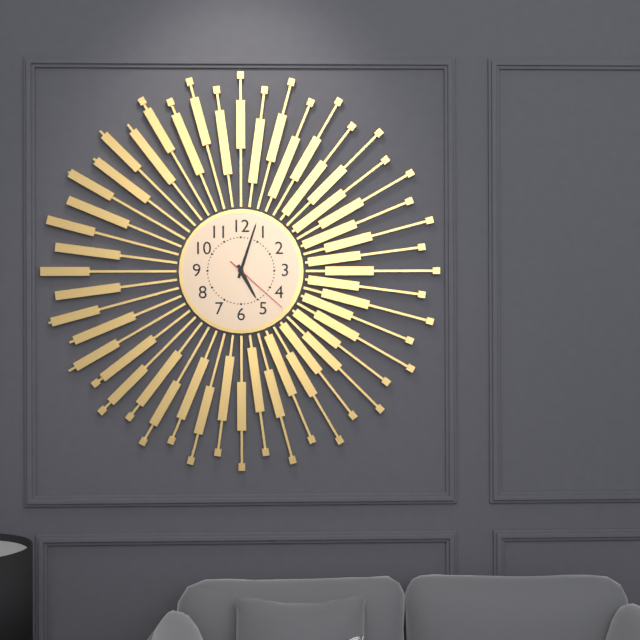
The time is **5:03:22**
